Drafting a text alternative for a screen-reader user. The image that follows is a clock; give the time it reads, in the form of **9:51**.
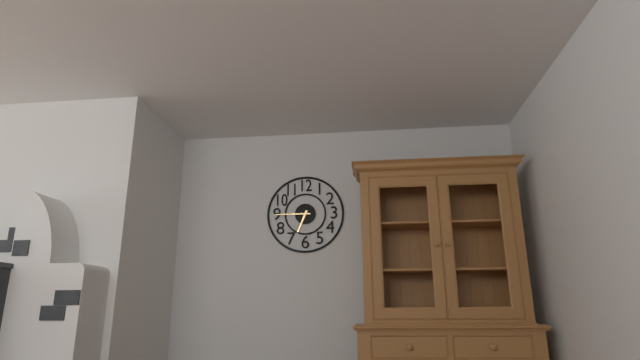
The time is **6:45**
